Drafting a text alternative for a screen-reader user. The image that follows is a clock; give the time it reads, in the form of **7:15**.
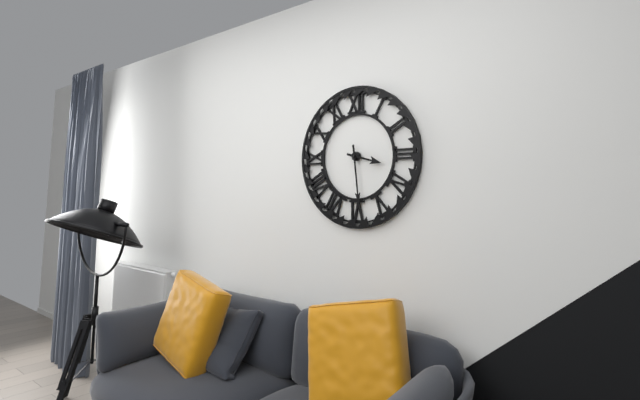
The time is **3:29**
